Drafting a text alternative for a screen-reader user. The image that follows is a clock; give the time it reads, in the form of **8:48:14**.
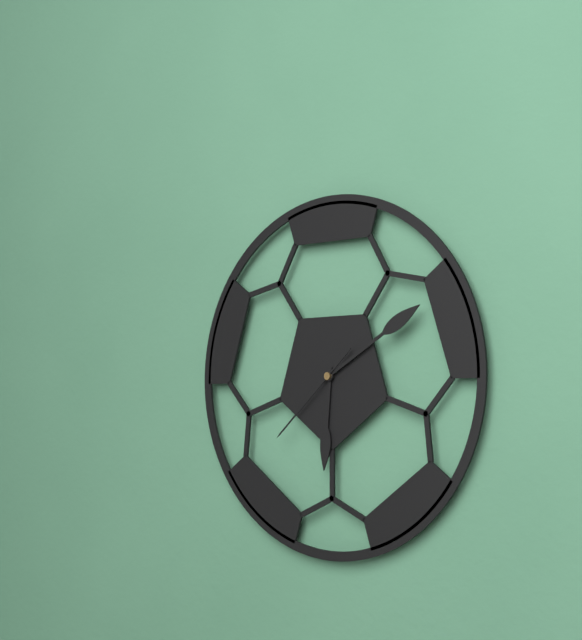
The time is **6:10:38**
